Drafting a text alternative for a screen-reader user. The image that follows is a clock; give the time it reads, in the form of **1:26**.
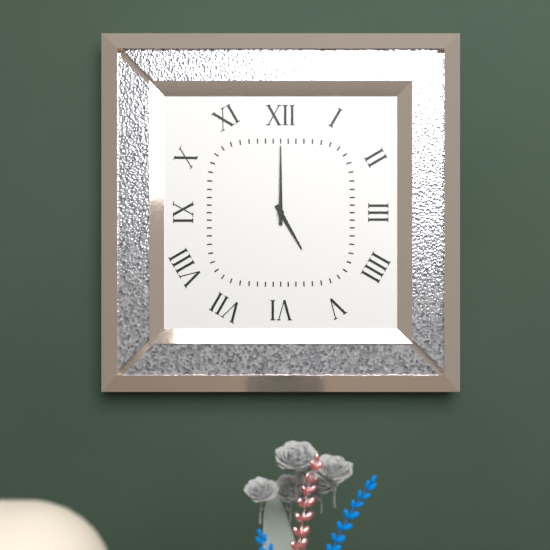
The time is **5:00**
